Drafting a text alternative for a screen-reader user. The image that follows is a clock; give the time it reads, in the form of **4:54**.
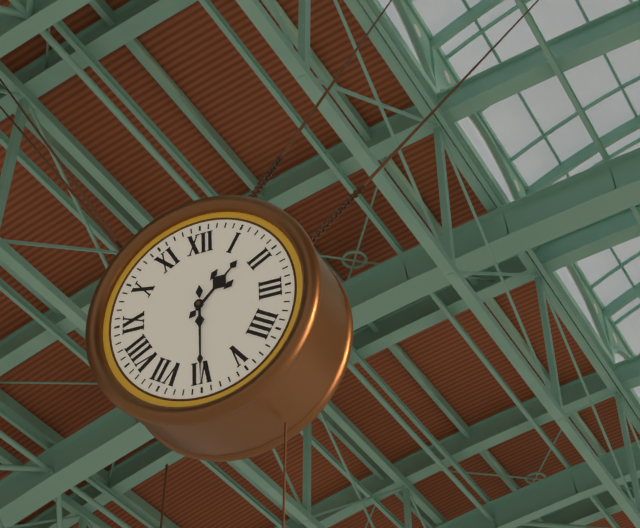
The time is **1:30**
